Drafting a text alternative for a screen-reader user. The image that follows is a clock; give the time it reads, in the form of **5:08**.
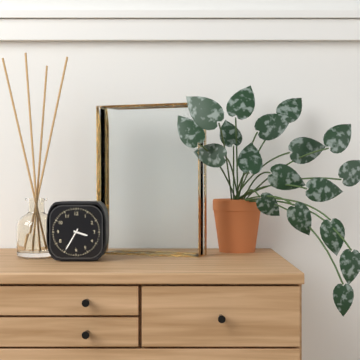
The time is **3:35**
